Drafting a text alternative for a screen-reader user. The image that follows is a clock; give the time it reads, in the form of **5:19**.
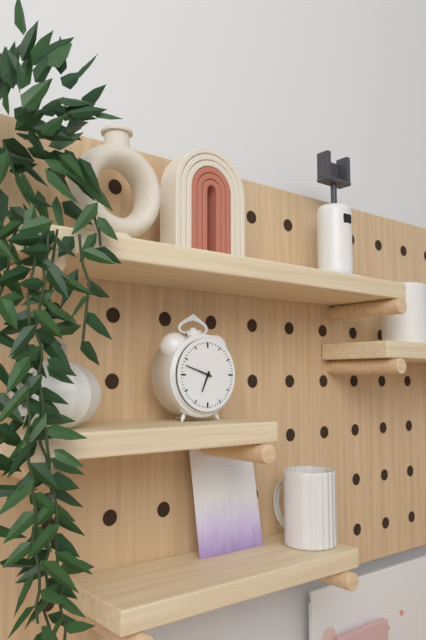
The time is **6:48**
